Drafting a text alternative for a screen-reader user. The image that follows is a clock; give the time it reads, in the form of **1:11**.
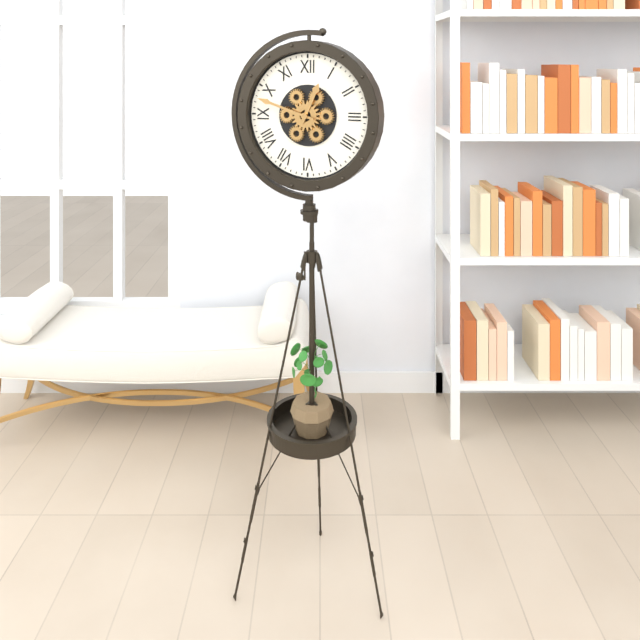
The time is **12:48**
